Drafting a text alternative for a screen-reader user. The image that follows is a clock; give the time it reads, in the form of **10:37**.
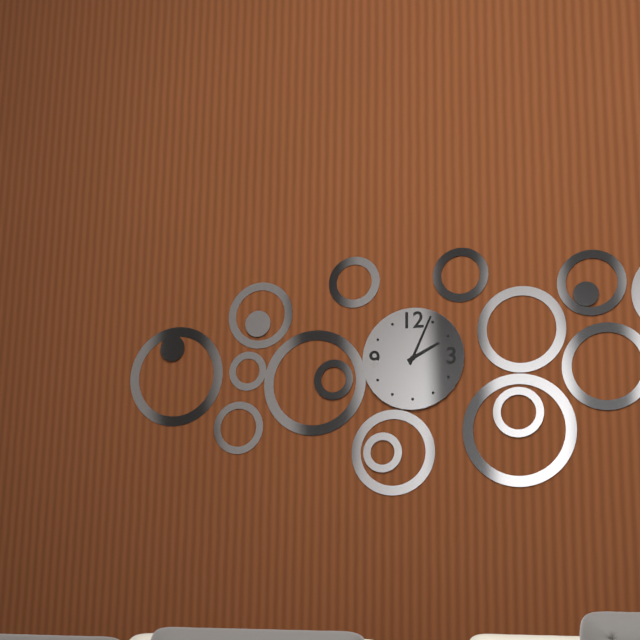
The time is **2:04**
